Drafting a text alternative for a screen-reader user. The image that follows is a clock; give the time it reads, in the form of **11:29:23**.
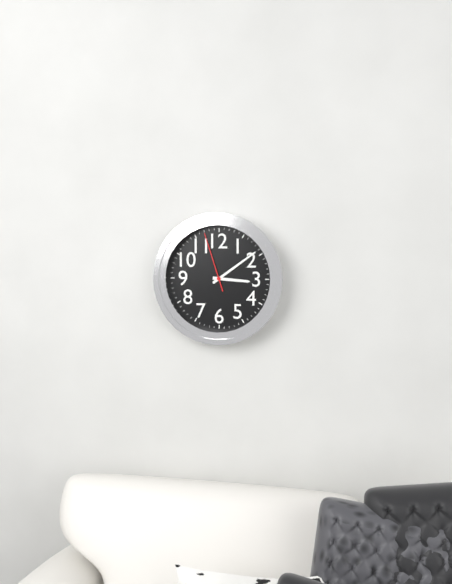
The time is **3:09:57**
